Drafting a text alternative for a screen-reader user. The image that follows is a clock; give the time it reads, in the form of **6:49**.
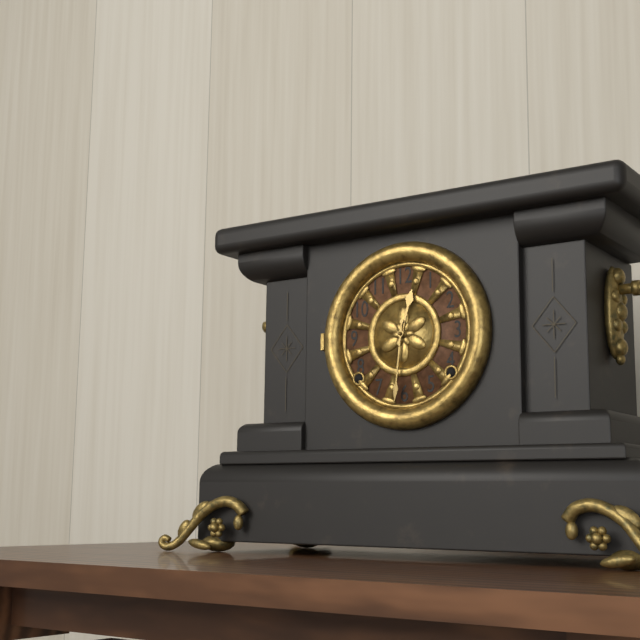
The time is **12:31**
